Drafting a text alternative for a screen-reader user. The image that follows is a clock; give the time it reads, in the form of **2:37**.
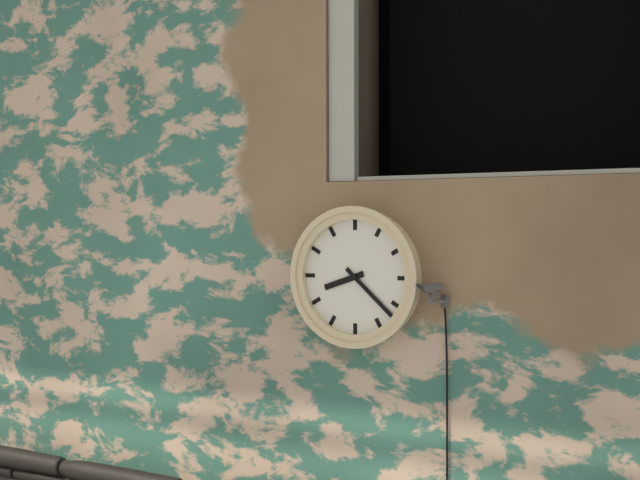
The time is **8:22**
